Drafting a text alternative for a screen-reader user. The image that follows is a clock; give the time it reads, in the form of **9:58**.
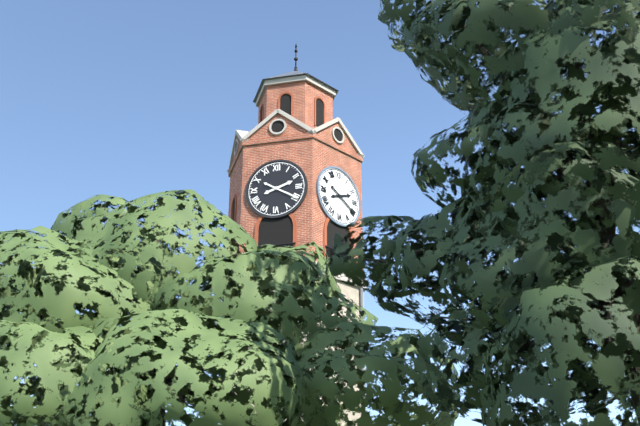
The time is **2:20**
